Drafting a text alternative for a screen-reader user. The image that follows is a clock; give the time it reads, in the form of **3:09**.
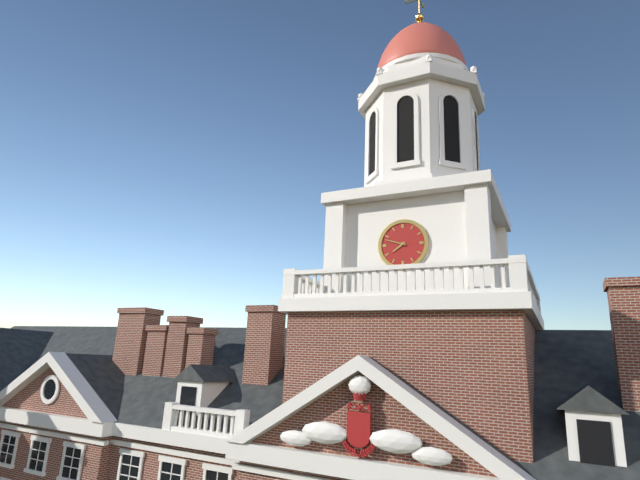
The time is **7:48**
